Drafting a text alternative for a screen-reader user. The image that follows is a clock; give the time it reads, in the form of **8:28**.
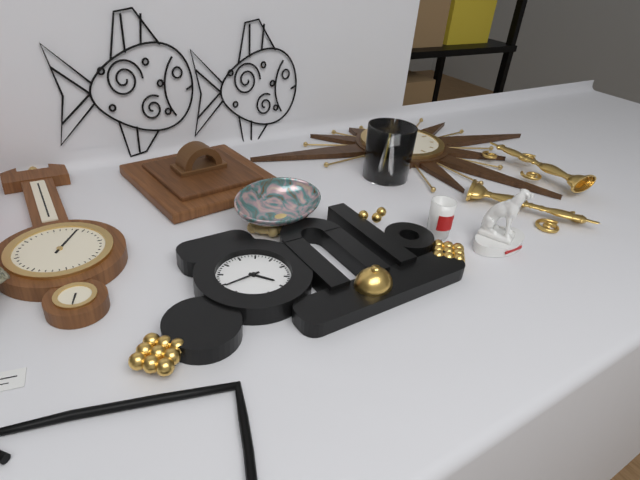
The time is **4:44**
